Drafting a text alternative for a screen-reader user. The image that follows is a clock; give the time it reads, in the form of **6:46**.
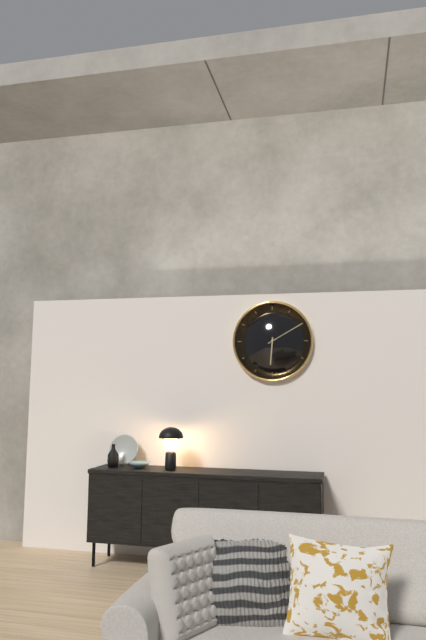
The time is **6:10**
